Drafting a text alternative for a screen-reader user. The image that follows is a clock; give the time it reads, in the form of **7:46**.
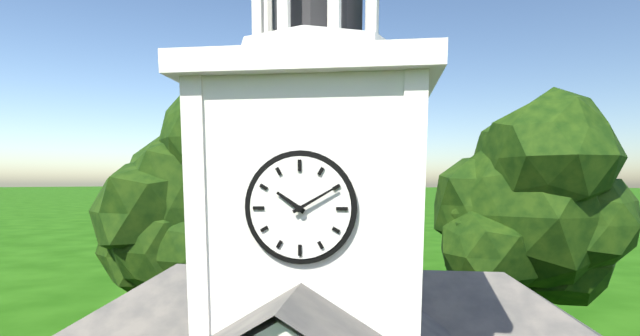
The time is **10:10**
